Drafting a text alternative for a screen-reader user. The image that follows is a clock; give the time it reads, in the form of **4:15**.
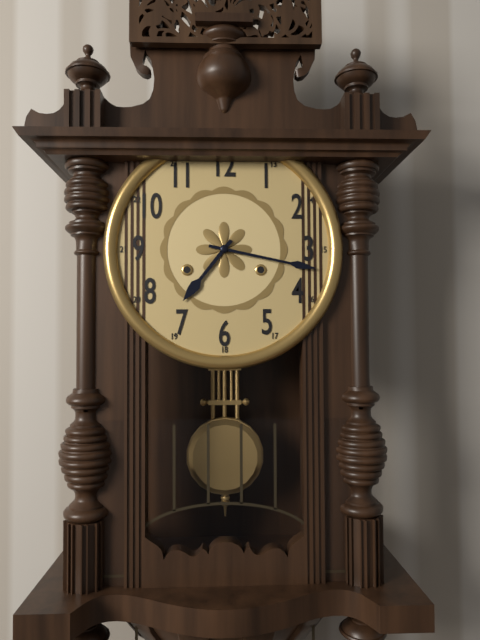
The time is **7:17**
